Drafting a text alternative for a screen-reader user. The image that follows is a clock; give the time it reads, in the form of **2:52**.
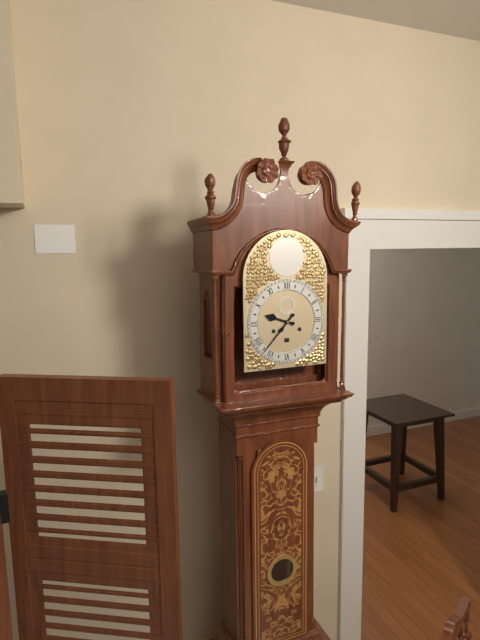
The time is **9:37**
